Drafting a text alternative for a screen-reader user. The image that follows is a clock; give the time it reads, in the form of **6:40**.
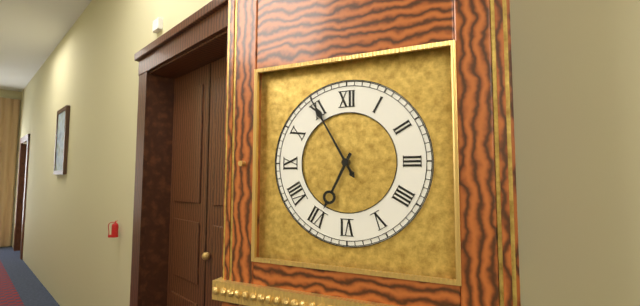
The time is **6:55**
